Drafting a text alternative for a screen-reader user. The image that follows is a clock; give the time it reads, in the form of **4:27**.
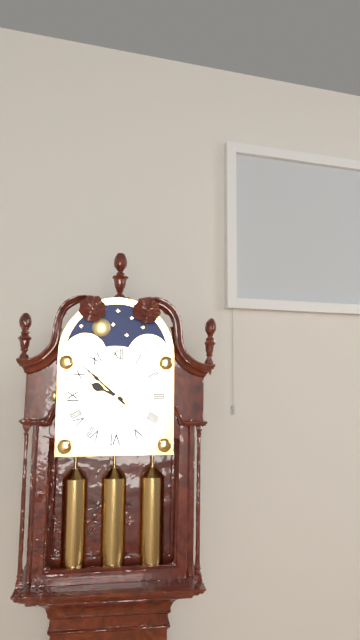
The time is **9:52**
